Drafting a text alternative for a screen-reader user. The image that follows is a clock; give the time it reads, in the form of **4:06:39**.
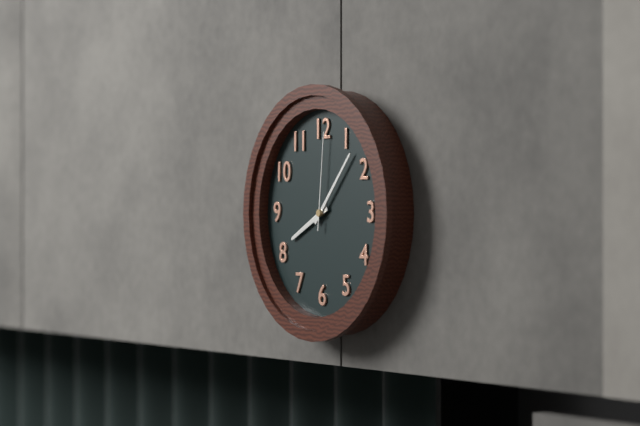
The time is **8:07:01**
